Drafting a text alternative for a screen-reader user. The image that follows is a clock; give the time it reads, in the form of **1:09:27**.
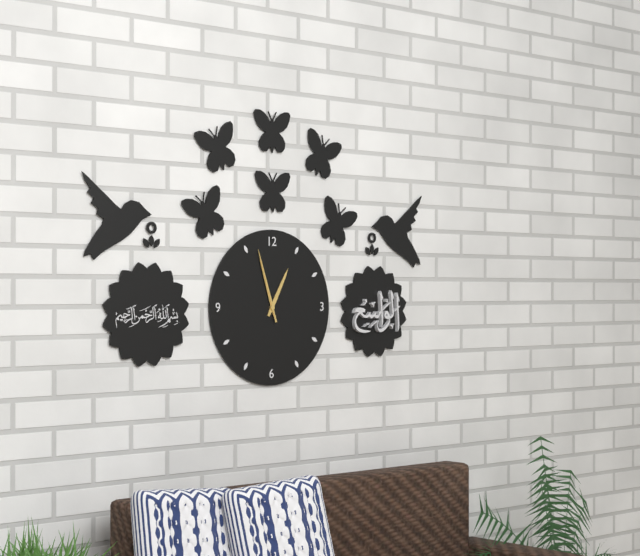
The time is **12:57:57**
